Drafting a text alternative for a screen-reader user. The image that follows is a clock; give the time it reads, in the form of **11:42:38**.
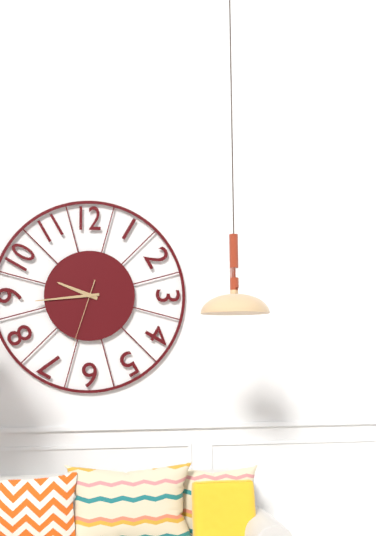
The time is **9:44:33**
